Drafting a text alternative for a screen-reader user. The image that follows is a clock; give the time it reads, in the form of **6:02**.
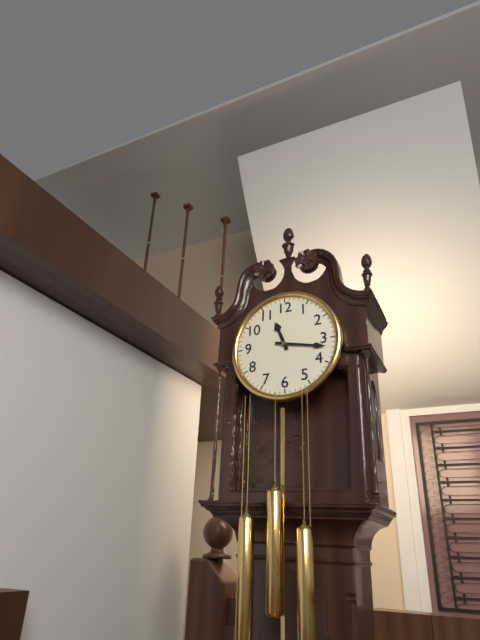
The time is **11:17**
